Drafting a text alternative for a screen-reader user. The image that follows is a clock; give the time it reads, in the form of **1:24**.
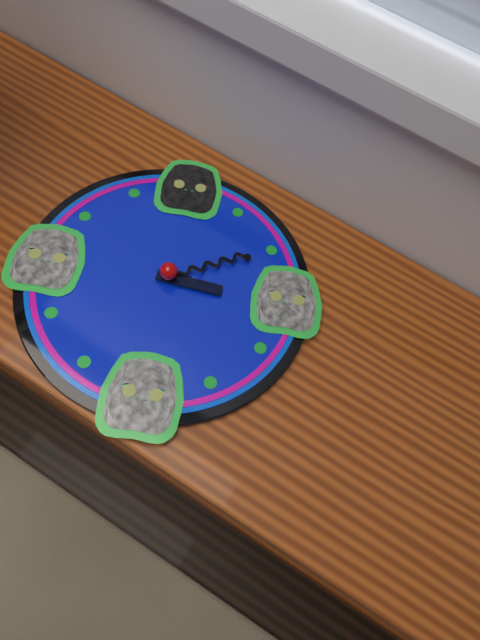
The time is **3:10**
